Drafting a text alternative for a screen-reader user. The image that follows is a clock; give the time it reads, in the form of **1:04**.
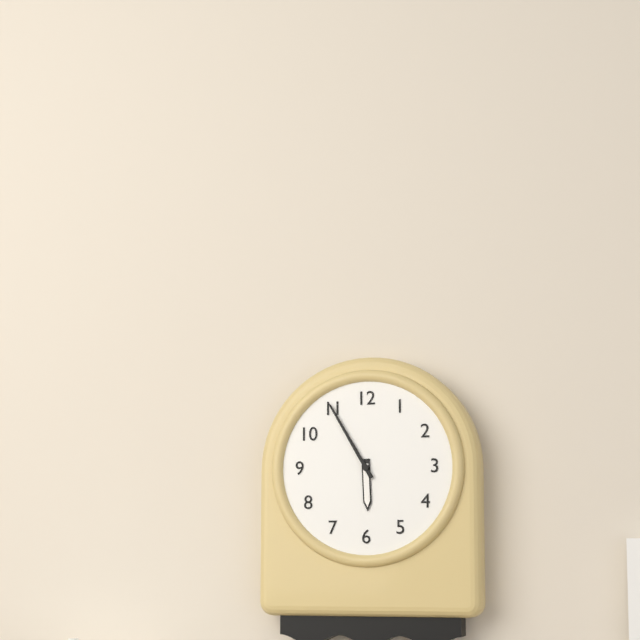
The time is **5:55**
